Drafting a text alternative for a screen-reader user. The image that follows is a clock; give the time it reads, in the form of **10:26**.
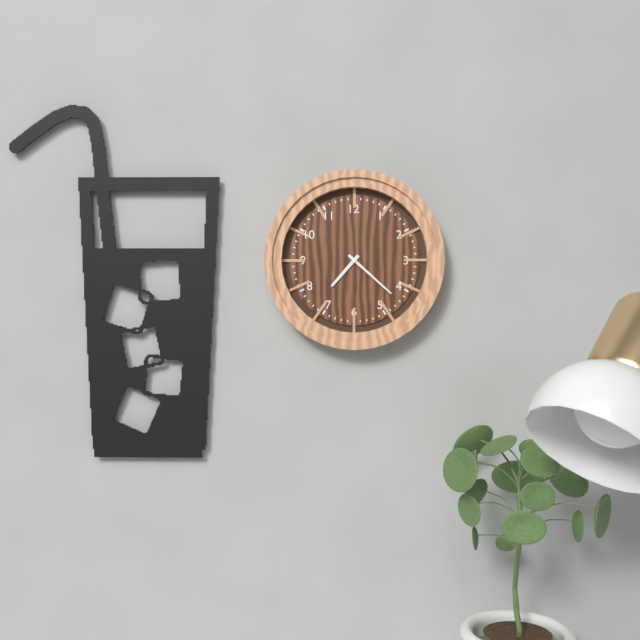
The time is **7:22**
